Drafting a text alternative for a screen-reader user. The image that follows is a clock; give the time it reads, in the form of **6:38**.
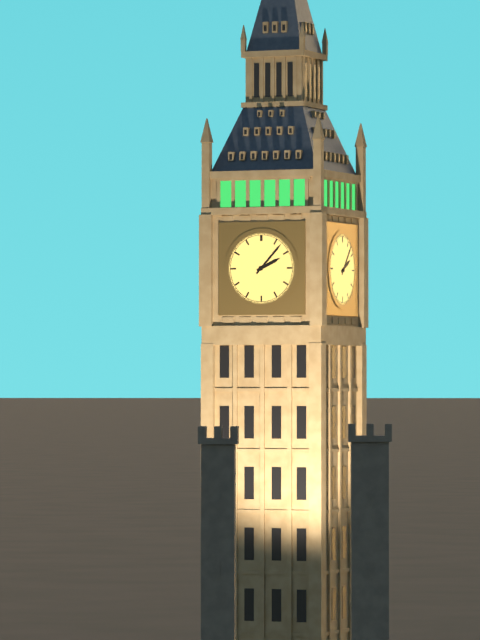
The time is **2:07**
